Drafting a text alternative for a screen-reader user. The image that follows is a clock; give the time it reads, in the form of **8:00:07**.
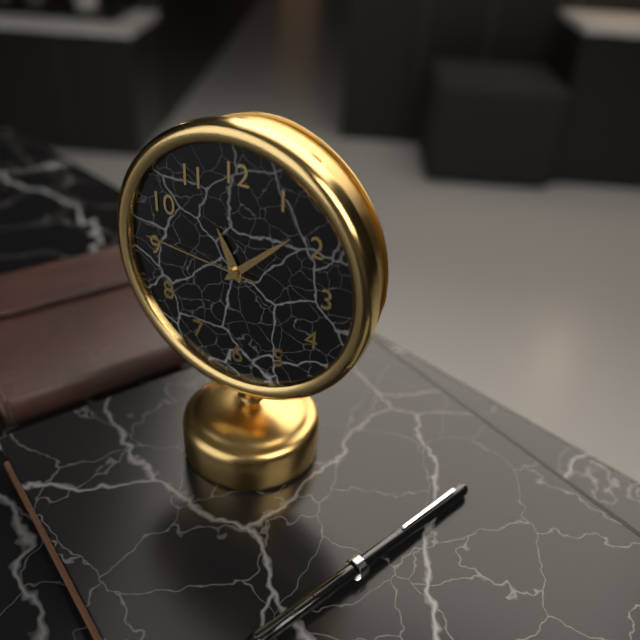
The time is **11:08:46**
